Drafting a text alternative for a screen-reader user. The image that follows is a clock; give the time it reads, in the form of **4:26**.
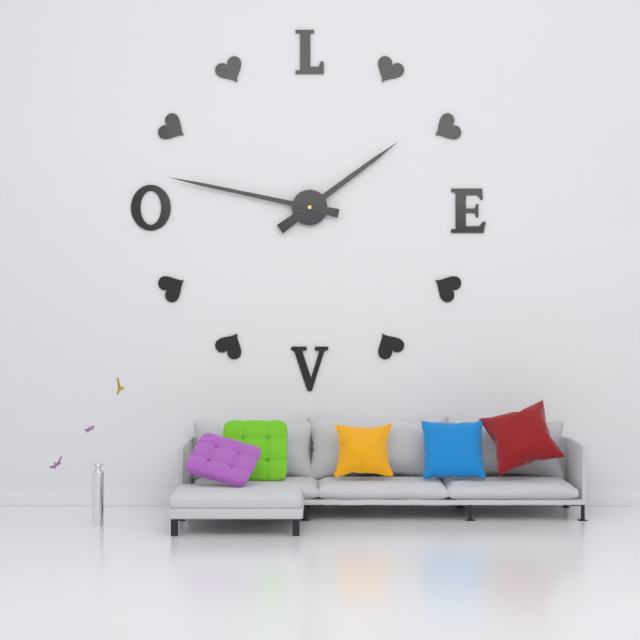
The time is **1:47**
